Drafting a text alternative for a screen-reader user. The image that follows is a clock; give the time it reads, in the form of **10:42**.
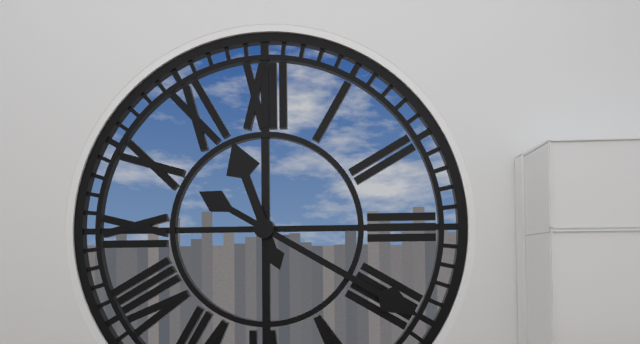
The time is **11:20**
